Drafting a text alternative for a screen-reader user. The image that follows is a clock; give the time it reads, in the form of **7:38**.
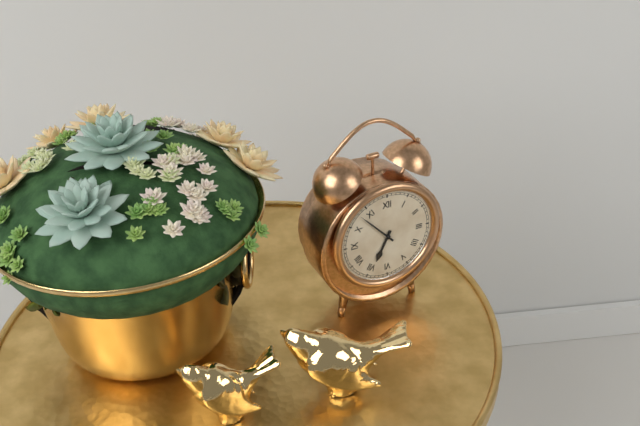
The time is **6:53**
